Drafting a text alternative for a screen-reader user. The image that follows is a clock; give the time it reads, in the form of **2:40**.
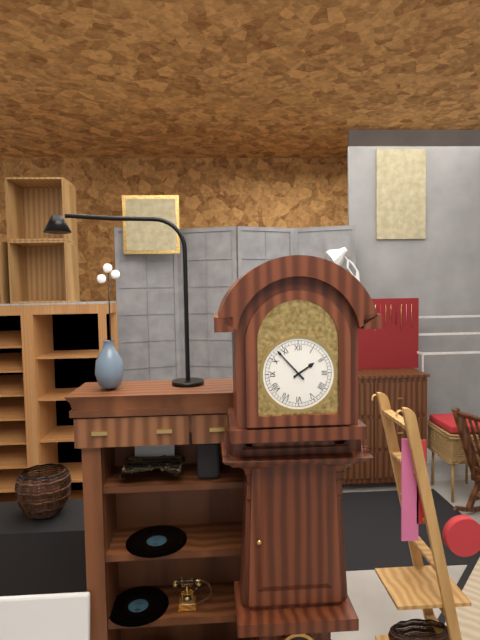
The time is **1:53**
